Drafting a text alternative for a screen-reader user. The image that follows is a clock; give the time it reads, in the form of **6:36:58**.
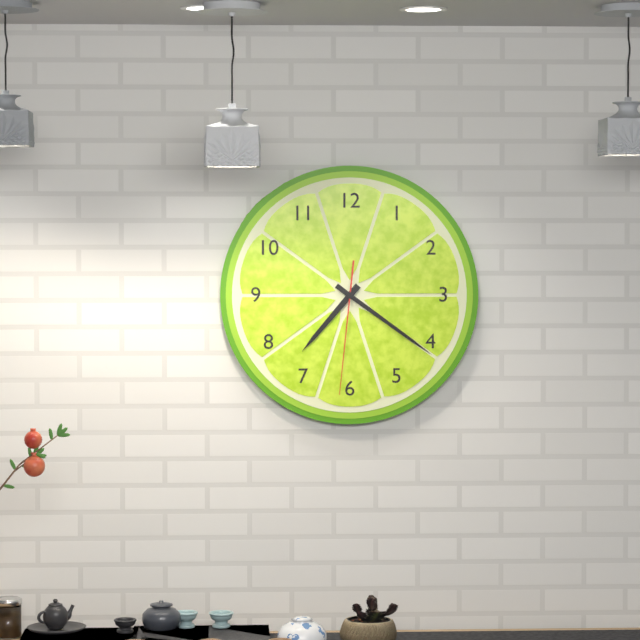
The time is **7:21:31**
